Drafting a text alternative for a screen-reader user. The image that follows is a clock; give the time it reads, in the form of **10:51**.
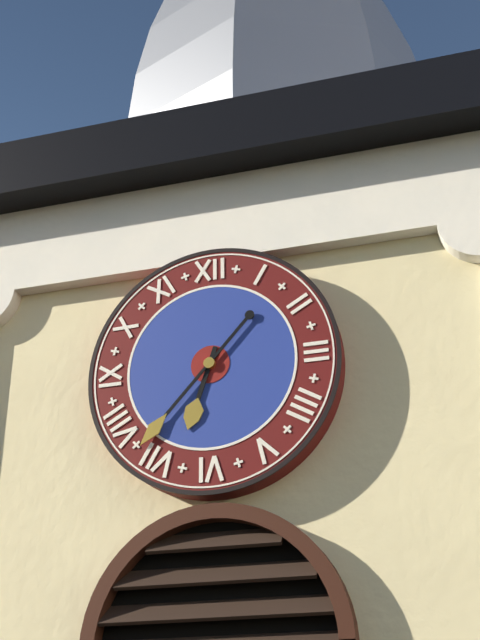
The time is **6:37**
